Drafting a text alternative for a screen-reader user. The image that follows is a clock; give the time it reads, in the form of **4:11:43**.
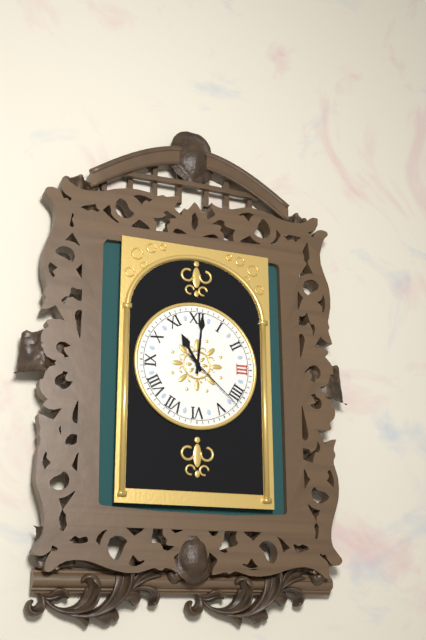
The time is **11:01:22**
